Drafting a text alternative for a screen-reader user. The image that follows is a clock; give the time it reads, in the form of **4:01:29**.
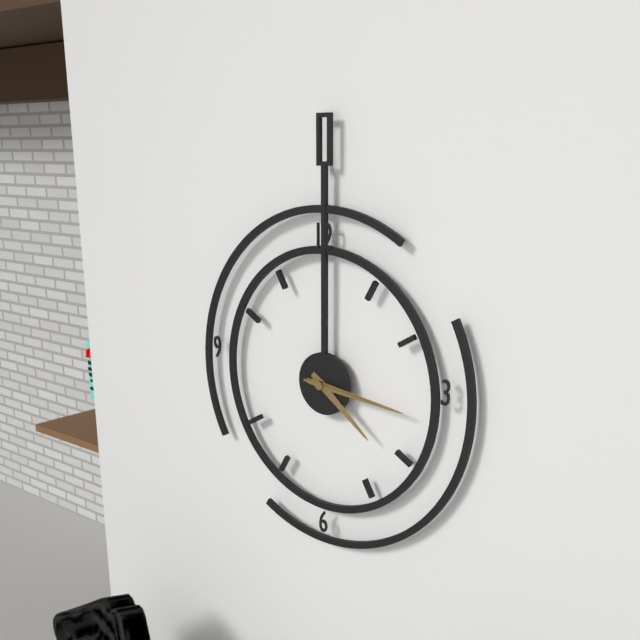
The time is **4:16:16**
